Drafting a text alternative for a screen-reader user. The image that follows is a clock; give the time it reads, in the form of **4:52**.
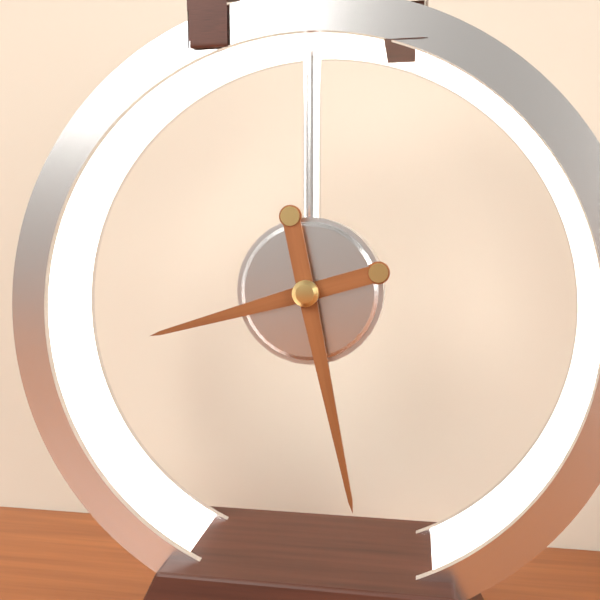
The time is **8:28**
